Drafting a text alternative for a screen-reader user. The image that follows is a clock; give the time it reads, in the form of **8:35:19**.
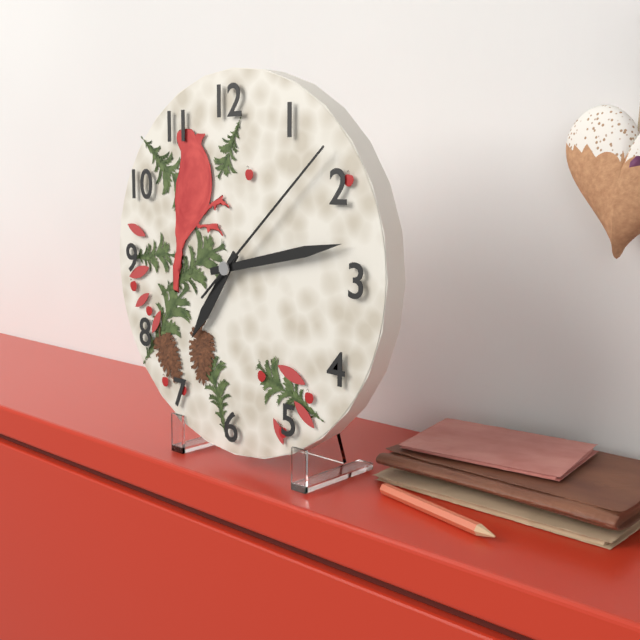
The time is **7:13:08**
